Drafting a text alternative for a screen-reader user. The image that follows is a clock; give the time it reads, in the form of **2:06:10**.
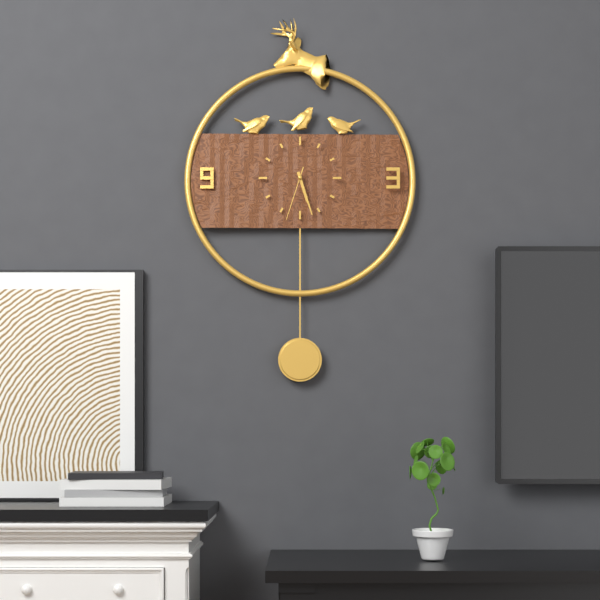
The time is **5:27:33**
